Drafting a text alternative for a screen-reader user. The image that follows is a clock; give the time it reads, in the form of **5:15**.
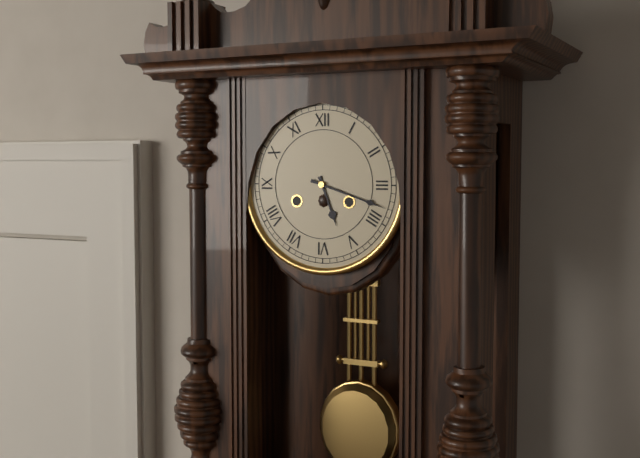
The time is **5:18**
